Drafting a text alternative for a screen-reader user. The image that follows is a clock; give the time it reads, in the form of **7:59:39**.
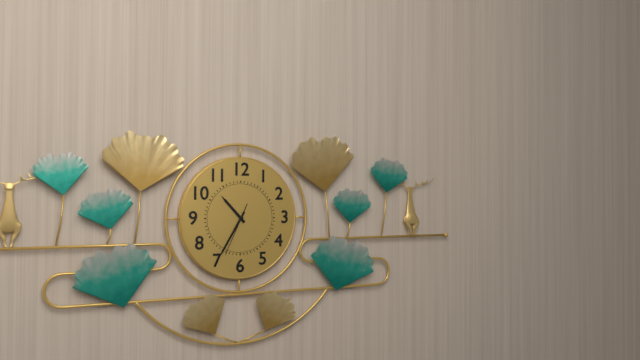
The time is **10:35:34**
